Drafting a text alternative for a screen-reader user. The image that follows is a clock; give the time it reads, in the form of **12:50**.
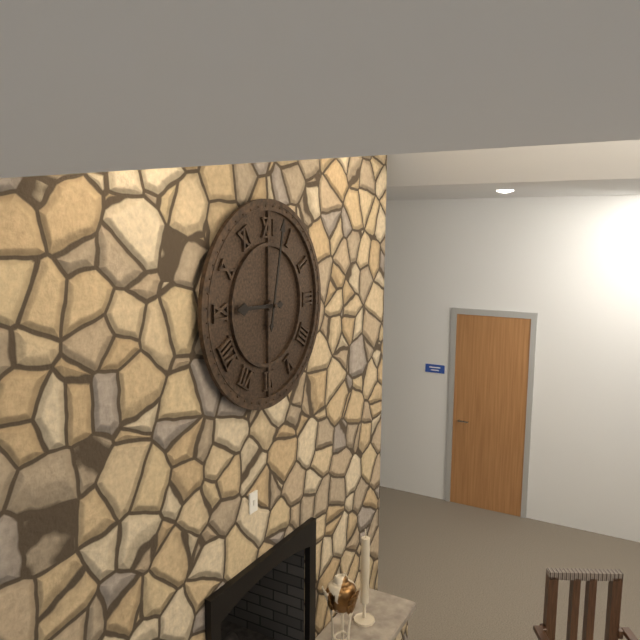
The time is **9:02**
